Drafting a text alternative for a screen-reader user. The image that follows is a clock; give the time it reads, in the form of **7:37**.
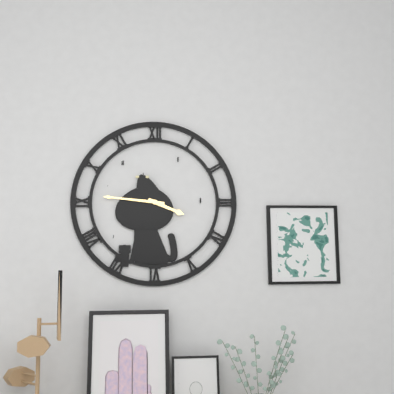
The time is **3:46**
